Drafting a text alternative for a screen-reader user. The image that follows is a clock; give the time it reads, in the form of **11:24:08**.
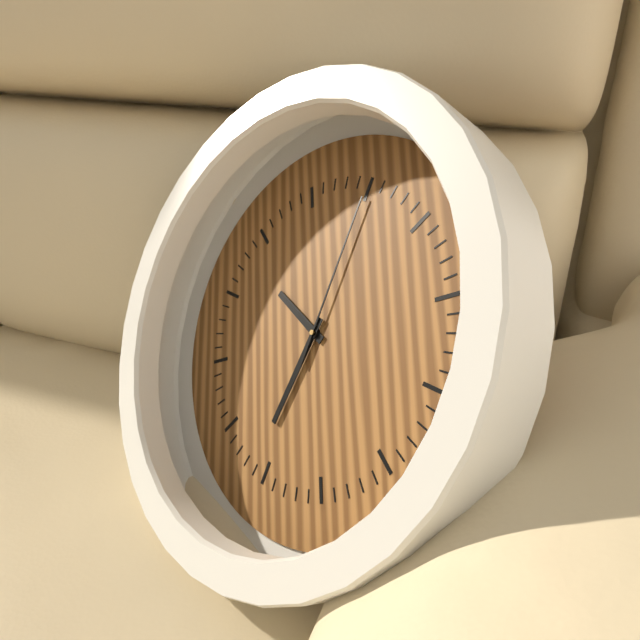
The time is **10:36:05**
